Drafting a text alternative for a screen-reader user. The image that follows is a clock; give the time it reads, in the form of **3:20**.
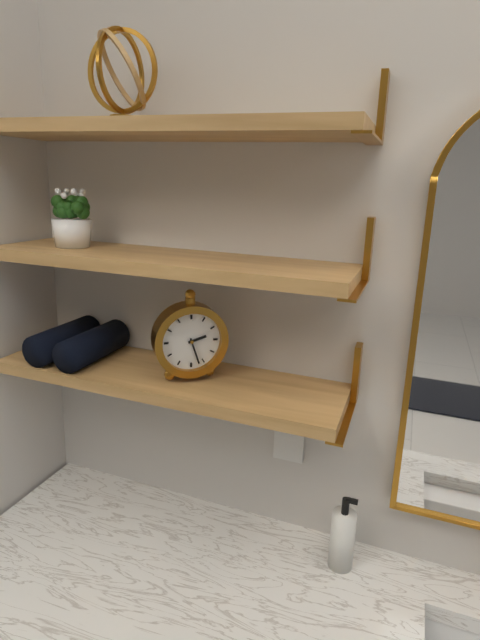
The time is **2:27**
